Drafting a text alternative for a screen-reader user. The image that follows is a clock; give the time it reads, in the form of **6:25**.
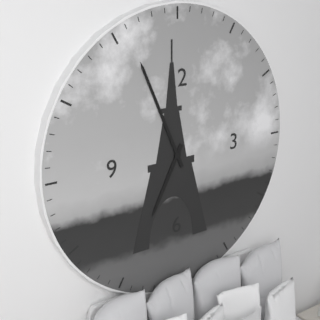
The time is **6:56**
